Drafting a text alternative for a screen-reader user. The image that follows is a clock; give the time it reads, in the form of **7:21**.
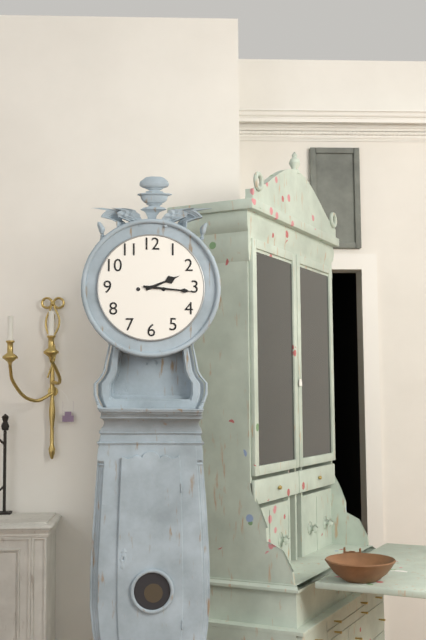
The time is **2:16**
